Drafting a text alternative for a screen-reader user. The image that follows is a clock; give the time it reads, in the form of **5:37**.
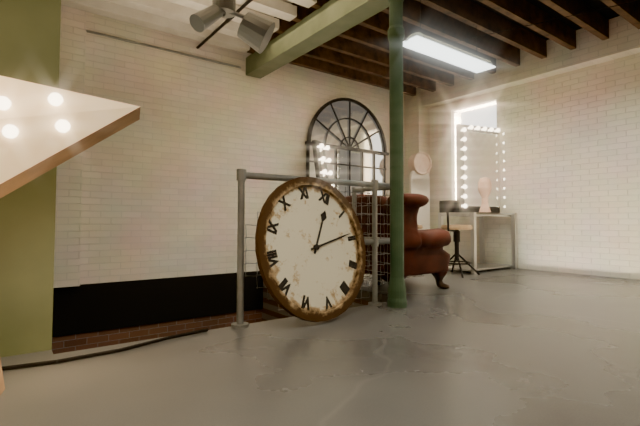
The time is **12:09**
